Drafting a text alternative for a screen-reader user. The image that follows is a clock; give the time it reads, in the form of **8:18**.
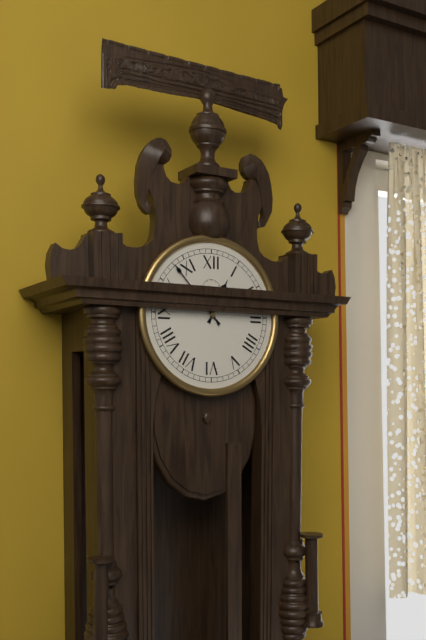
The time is **12:53**
